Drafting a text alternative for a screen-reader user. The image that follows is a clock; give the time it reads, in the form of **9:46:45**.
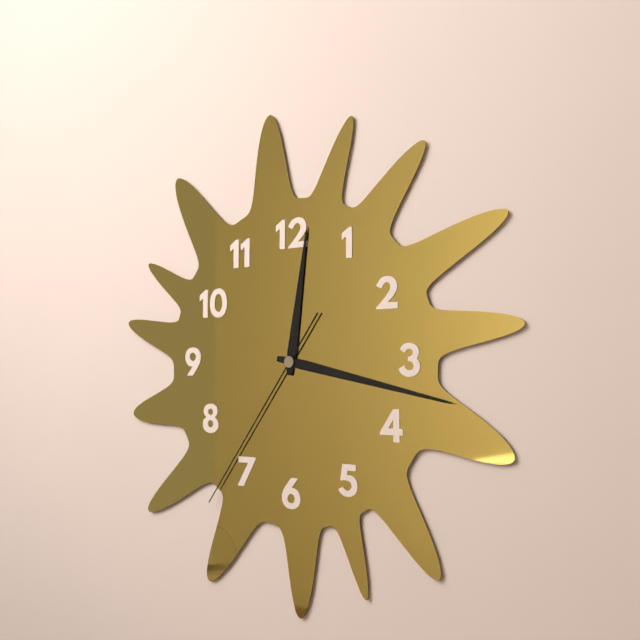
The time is **12:17:36**
